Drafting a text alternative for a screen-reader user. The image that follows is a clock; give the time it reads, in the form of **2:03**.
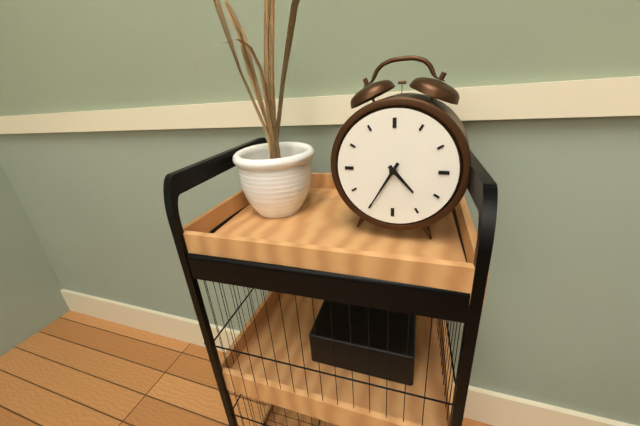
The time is **4:35**
